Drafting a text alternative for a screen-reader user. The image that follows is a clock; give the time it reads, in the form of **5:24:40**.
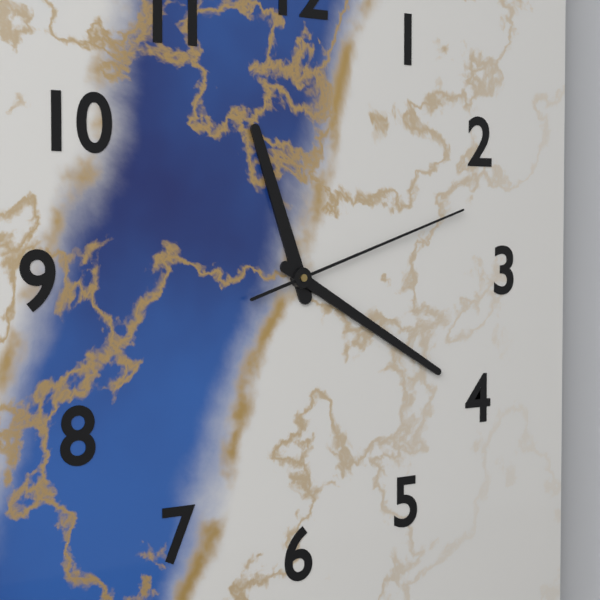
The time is **11:20:12**
